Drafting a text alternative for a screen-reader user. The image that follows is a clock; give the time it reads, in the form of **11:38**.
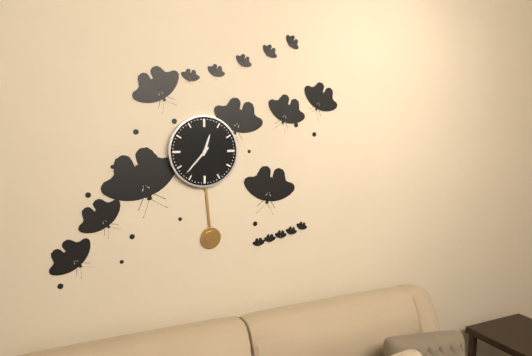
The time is **12:37**
